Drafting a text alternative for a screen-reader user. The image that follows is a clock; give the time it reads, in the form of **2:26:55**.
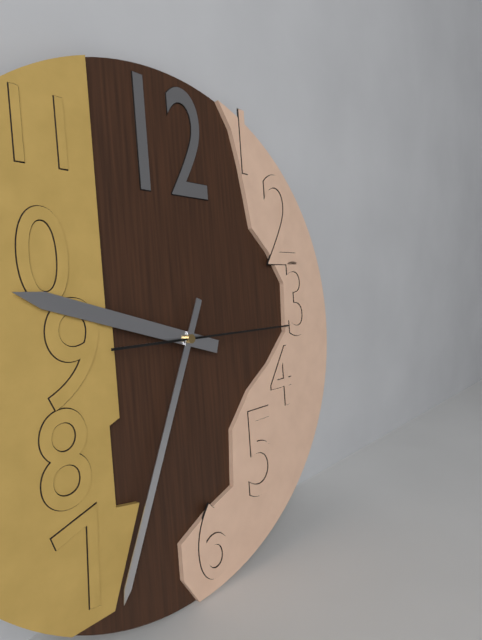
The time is **9:34:15**
